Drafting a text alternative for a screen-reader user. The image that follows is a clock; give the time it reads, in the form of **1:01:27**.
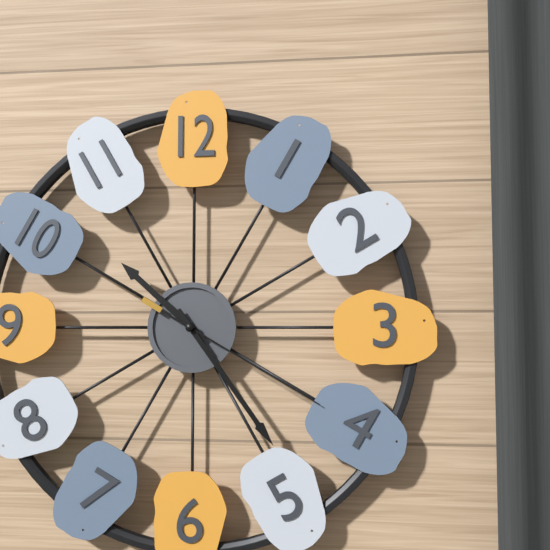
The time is **10:24:20**
